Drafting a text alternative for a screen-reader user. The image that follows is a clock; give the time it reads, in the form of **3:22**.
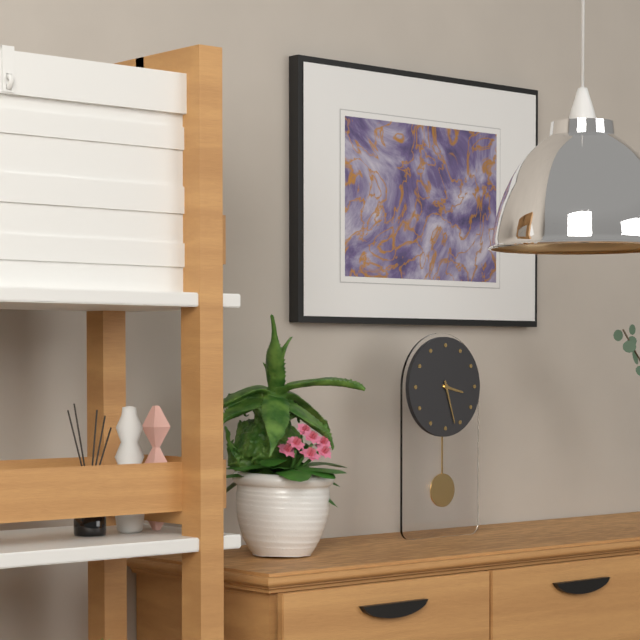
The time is **3:27**
